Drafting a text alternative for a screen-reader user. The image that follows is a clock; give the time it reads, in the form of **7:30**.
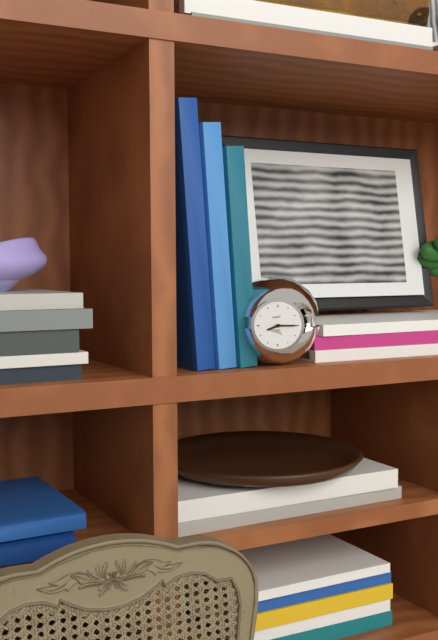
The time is **8:15**
